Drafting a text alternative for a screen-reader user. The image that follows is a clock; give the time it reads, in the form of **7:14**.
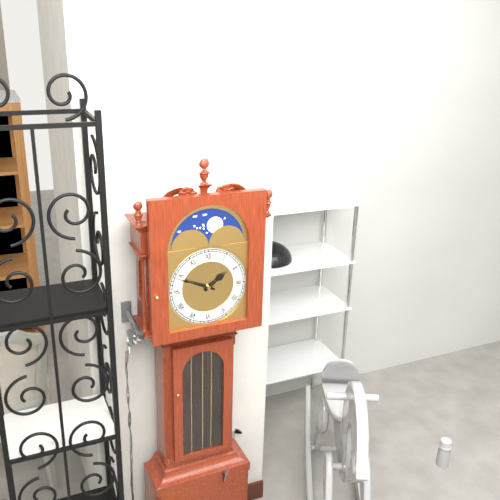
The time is **1:49**
